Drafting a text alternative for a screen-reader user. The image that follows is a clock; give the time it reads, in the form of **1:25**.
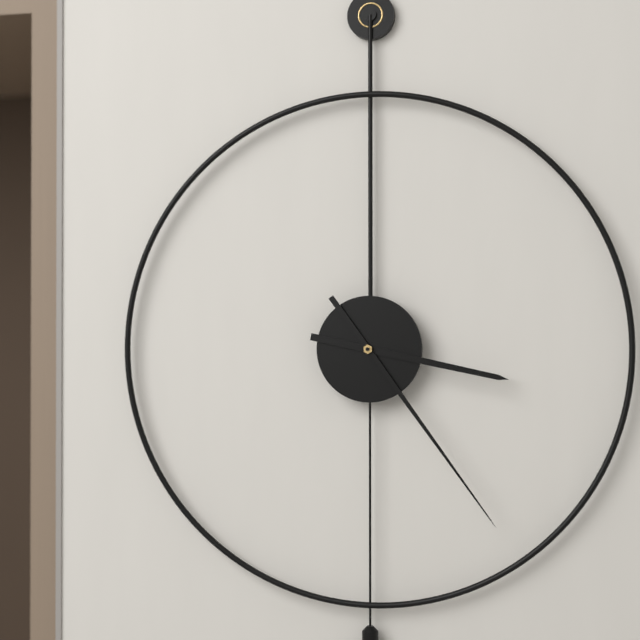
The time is **3:24**
